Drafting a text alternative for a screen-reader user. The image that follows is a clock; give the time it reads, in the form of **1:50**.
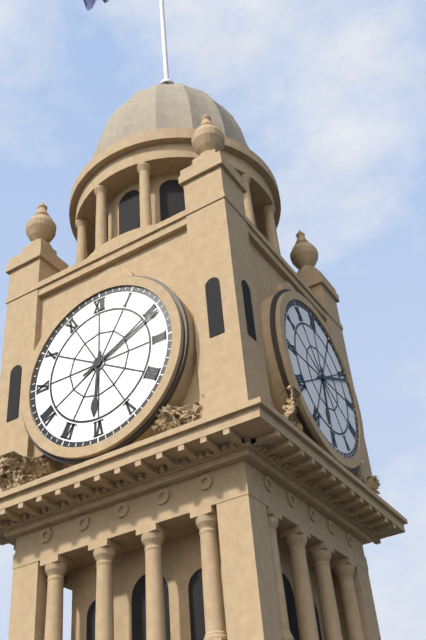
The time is **6:11**
